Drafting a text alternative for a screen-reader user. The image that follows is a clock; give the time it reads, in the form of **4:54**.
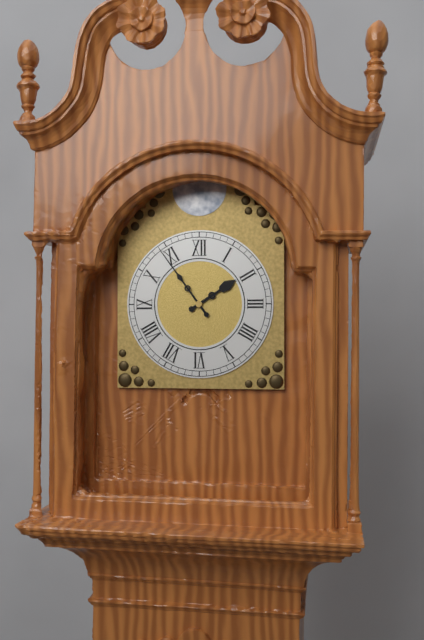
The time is **1:54**
